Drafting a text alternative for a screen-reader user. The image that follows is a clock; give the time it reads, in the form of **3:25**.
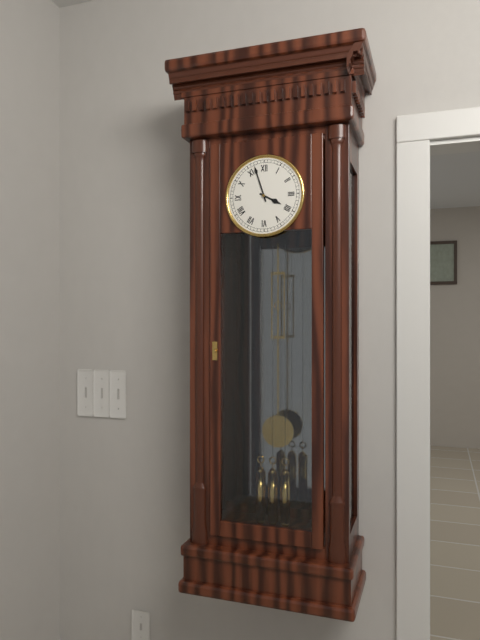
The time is **3:57**
